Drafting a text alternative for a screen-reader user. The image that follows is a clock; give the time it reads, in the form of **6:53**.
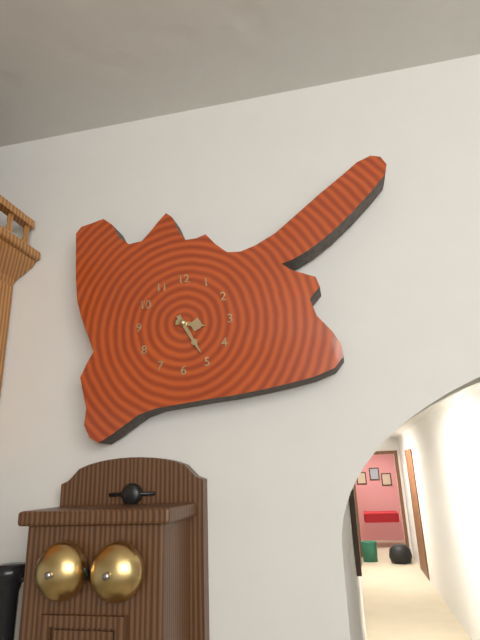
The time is **3:25**
